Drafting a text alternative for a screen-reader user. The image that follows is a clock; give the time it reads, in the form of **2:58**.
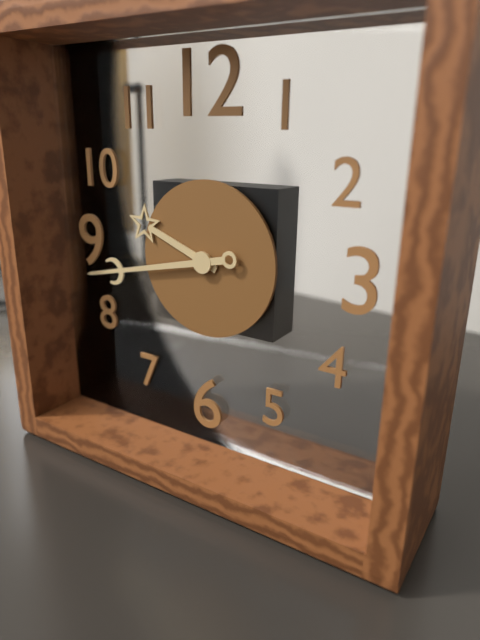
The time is **9:43**
